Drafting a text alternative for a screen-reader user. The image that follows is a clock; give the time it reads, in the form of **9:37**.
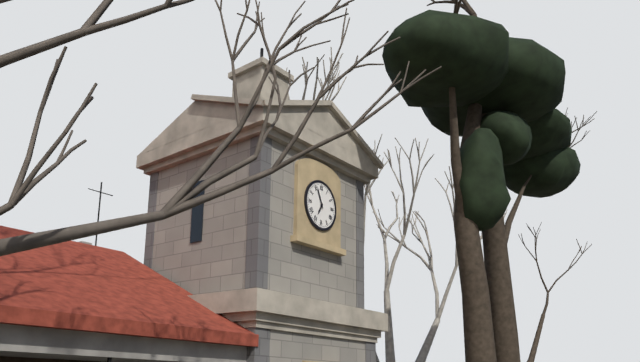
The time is **6:56**
